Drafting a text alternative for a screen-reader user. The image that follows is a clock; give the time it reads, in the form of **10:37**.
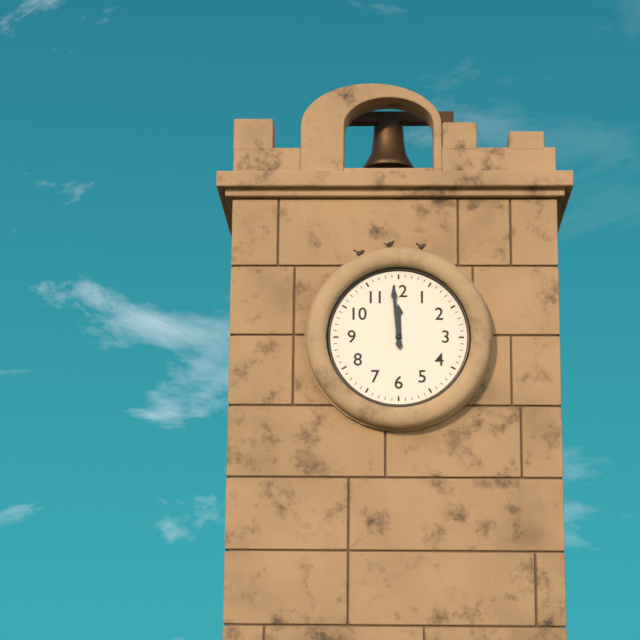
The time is **11:59**
